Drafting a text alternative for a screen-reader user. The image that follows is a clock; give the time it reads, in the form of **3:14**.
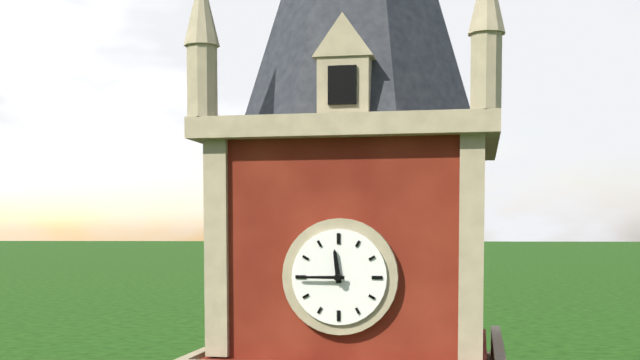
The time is **11:45**
